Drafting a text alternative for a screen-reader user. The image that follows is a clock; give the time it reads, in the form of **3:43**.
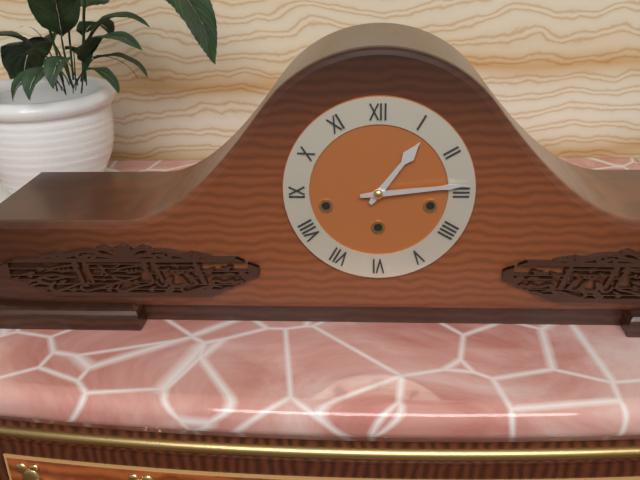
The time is **1:14**
